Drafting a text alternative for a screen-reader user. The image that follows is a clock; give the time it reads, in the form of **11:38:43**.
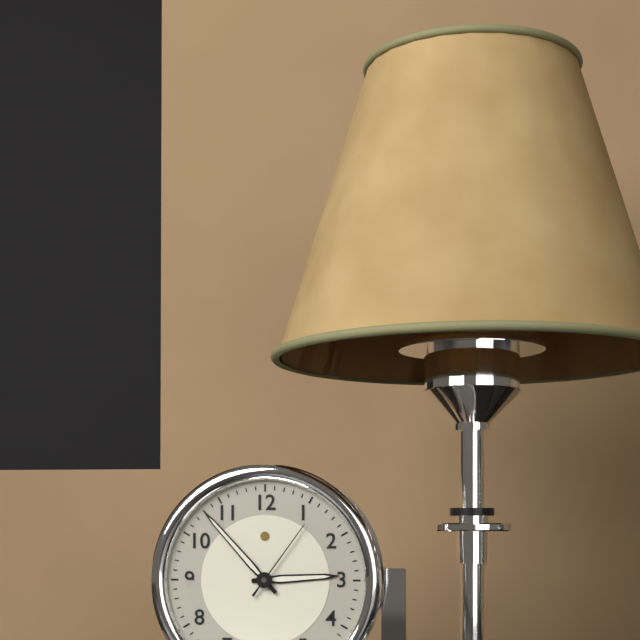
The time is **2:53:06**
